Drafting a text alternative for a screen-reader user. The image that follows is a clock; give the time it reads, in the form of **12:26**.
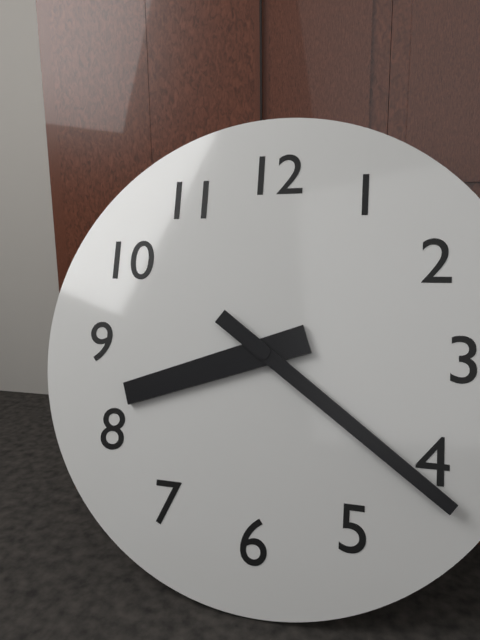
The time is **8:21**
